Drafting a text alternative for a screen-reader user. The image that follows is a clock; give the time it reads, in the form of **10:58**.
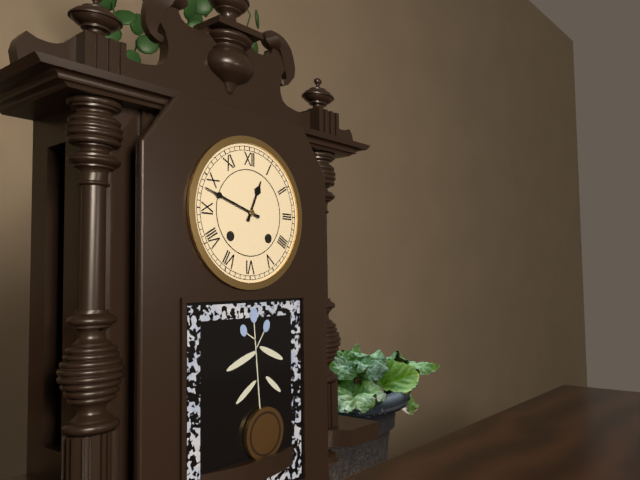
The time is **12:48**
